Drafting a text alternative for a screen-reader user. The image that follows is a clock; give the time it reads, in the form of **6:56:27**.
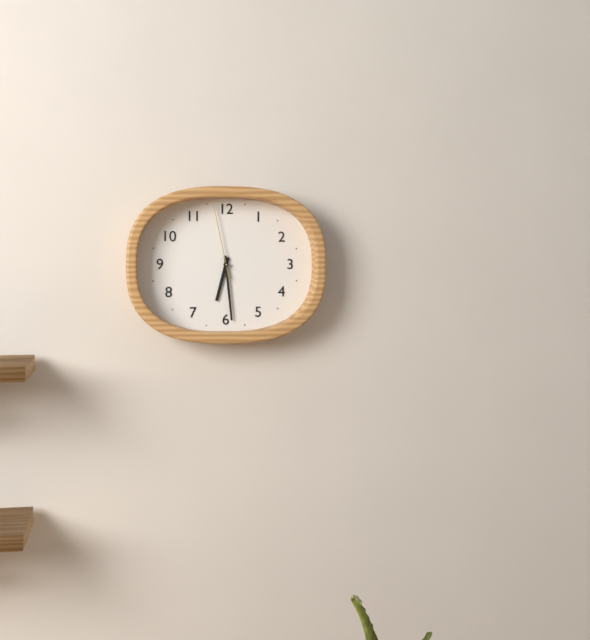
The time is **6:29:58**
